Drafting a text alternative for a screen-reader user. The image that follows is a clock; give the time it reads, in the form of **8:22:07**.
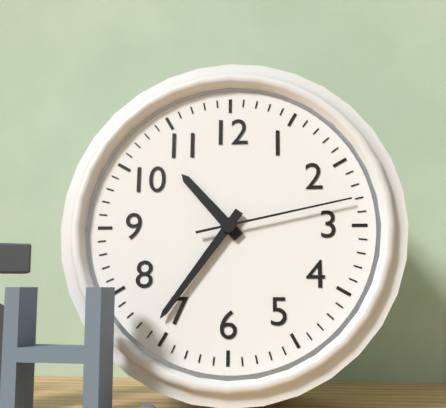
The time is **10:36:13**
